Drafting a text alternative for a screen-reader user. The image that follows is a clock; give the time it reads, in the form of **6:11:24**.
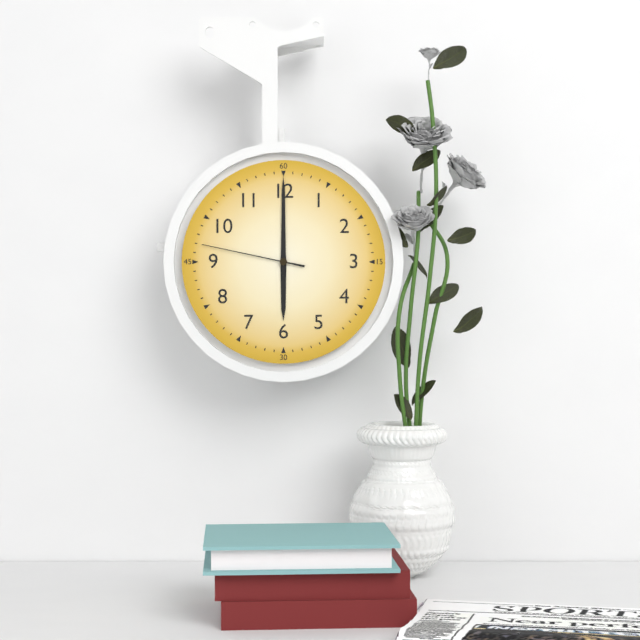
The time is **6:00:47**
